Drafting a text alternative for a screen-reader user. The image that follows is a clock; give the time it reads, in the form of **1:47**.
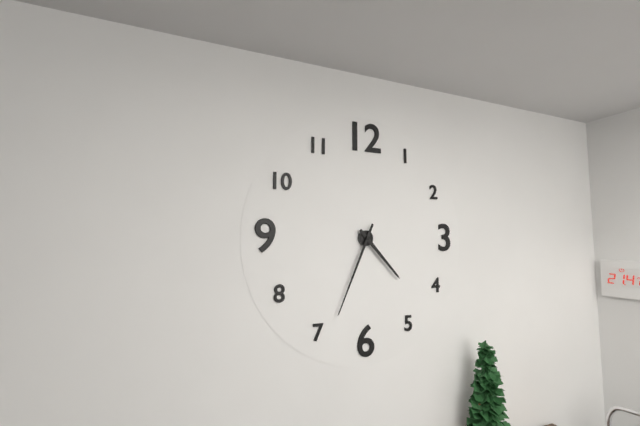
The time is **4:34**
